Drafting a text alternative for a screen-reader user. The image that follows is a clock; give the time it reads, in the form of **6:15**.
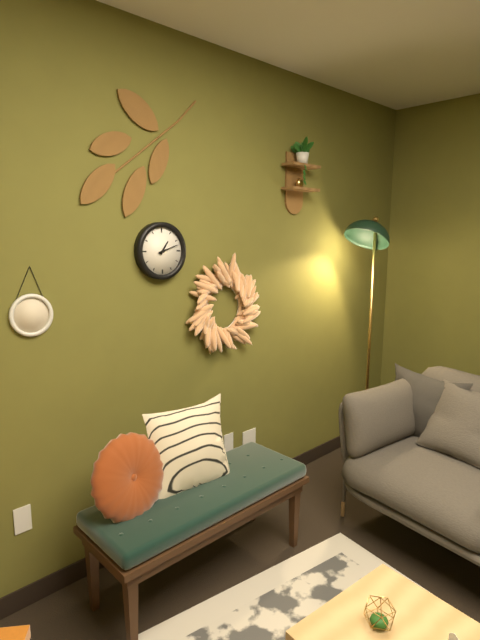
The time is **1:12**
